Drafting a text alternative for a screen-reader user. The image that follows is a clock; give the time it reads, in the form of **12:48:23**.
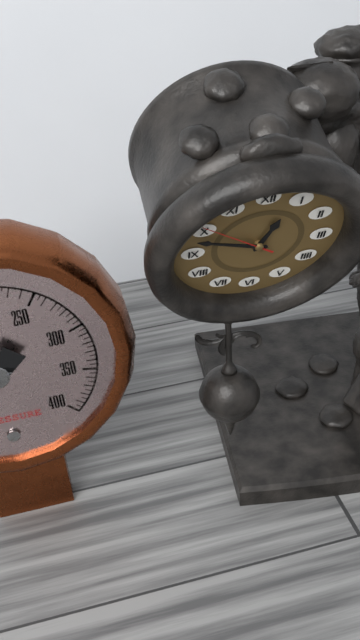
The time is **12:48:51**
